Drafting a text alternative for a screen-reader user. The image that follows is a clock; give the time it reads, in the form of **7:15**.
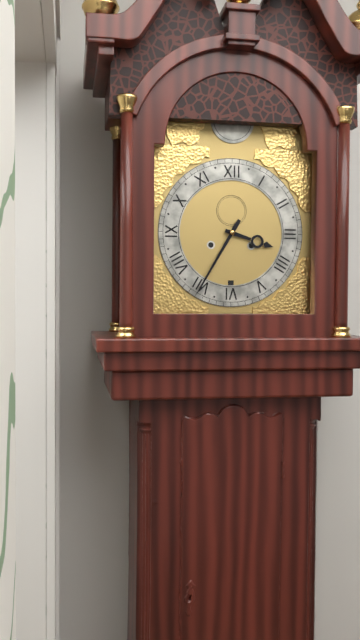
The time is **3:35**
